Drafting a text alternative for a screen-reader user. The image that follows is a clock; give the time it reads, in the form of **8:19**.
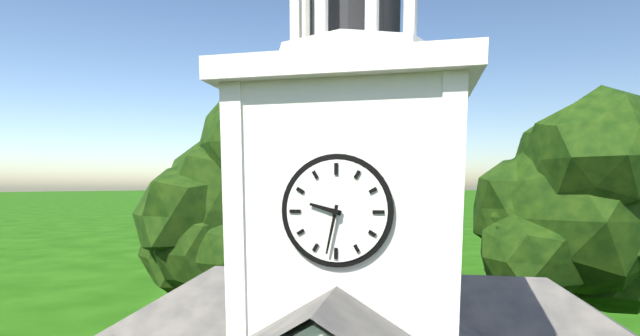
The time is **9:32**
